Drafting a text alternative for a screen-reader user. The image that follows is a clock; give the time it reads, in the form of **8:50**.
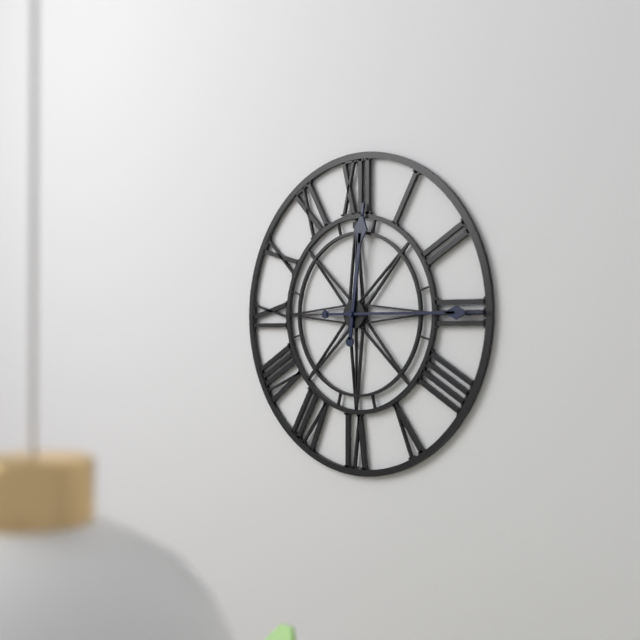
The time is **12:15**
